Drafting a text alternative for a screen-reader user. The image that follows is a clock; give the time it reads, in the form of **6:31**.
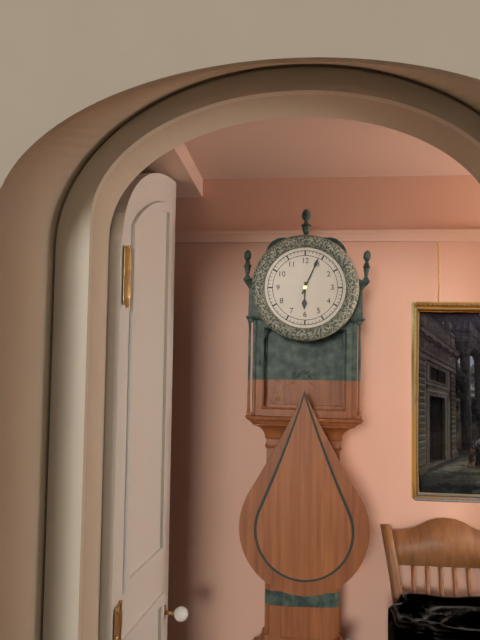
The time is **6:04**
